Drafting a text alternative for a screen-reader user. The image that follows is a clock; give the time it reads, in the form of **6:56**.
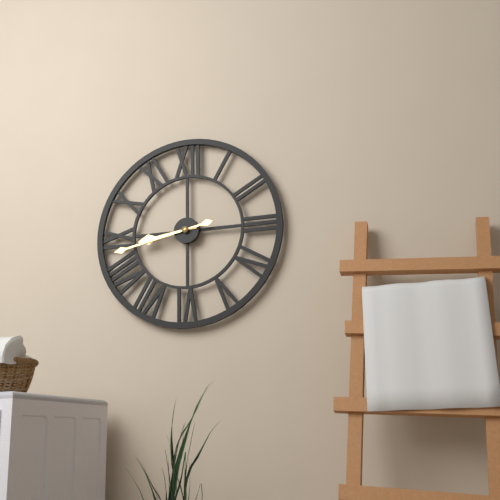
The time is **8:43**
